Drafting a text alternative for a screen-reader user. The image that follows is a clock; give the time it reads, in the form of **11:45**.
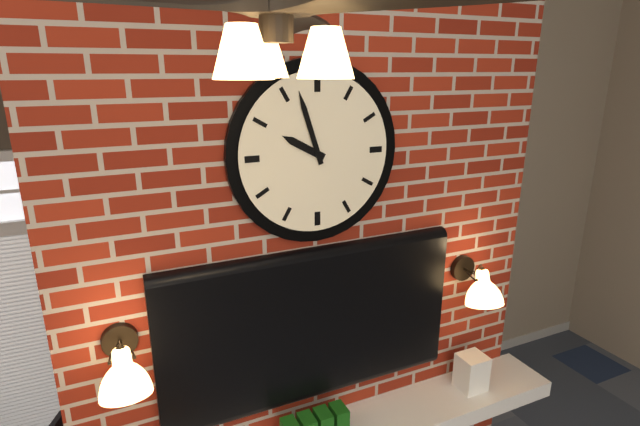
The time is **9:57**
